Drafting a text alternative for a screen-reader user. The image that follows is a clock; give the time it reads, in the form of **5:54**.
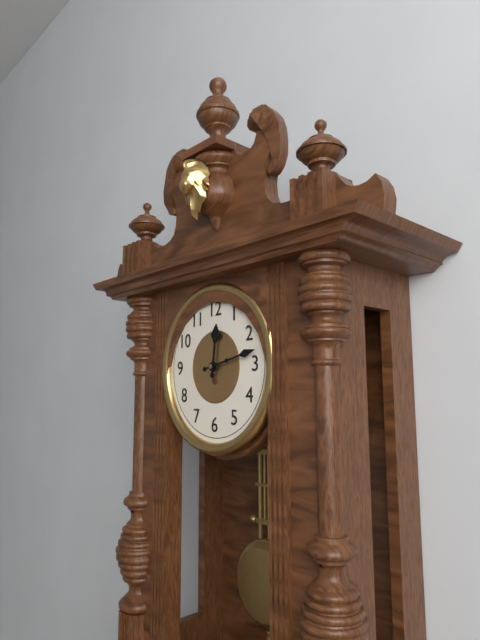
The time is **12:13**
